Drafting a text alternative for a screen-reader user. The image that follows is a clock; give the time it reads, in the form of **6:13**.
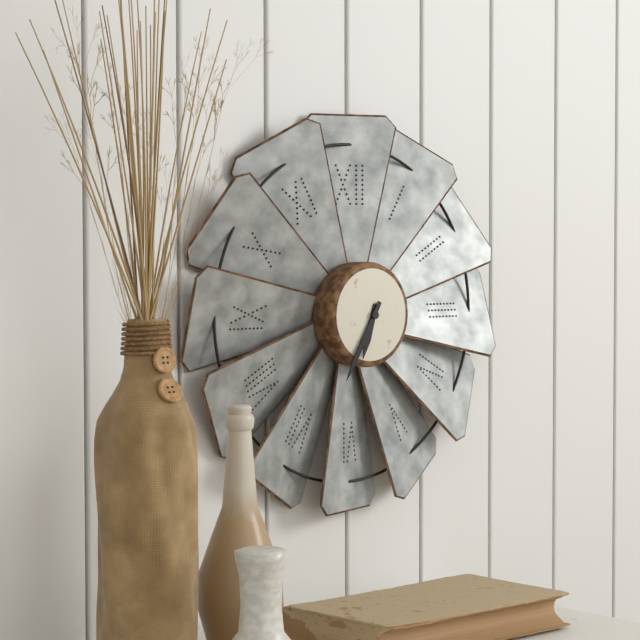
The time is **6:35**
